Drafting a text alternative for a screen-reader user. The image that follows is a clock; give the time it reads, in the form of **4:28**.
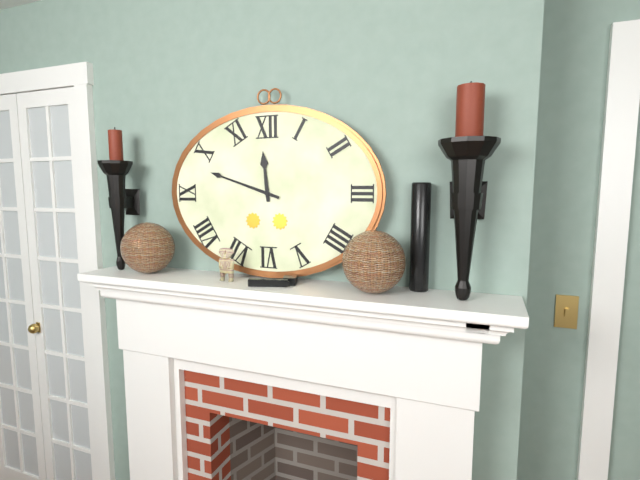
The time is **11:48**
